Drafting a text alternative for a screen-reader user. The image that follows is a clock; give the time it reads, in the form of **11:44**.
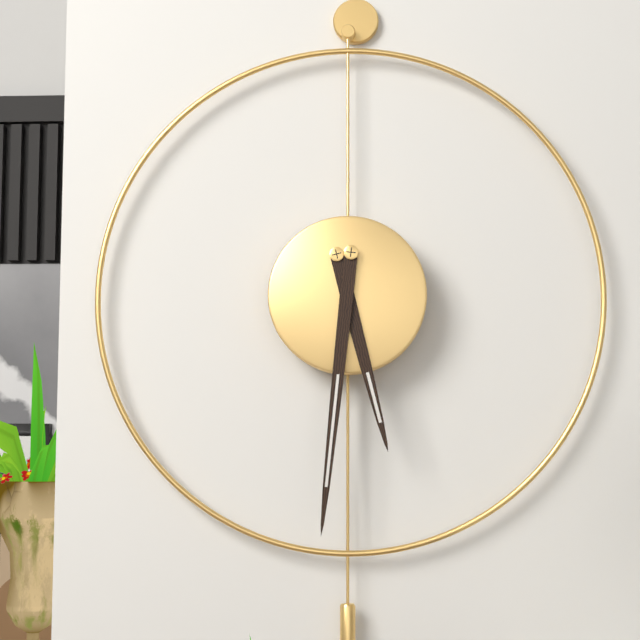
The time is **5:31**
